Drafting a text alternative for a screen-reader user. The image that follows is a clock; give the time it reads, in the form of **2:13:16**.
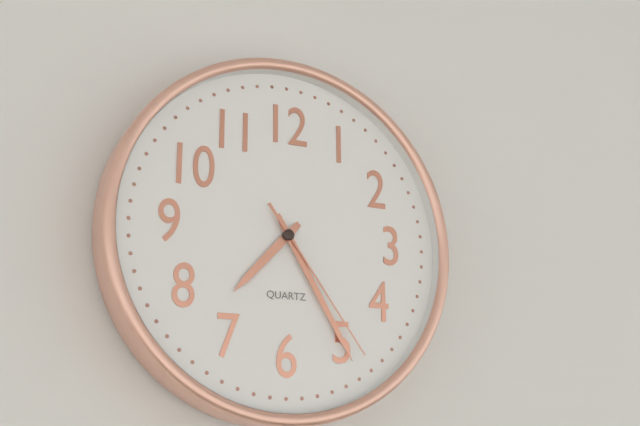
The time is **7:25:24**
